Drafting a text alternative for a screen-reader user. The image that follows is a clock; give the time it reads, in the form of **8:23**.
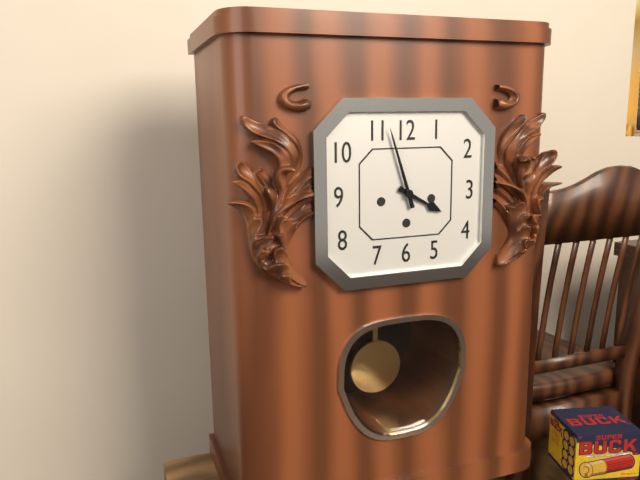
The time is **3:57**
